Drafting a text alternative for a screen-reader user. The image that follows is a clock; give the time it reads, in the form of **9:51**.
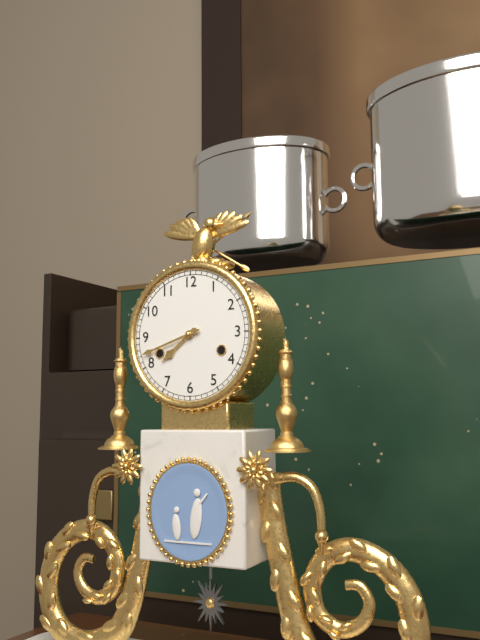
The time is **7:42**
